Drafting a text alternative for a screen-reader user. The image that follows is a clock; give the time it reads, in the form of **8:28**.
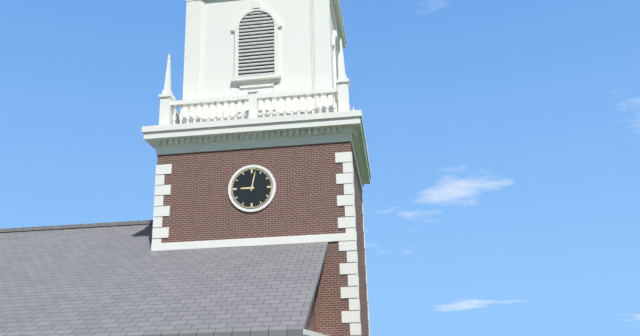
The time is **9:02**
